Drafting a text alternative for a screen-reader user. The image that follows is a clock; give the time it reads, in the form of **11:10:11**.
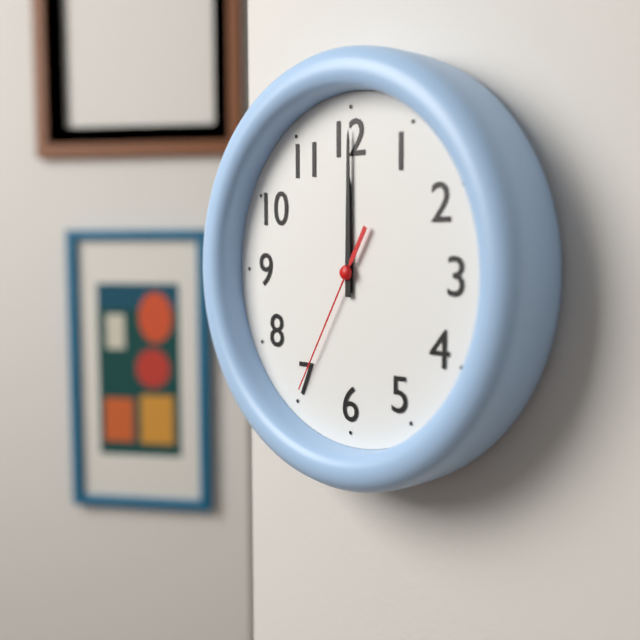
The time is **12:00:35**
